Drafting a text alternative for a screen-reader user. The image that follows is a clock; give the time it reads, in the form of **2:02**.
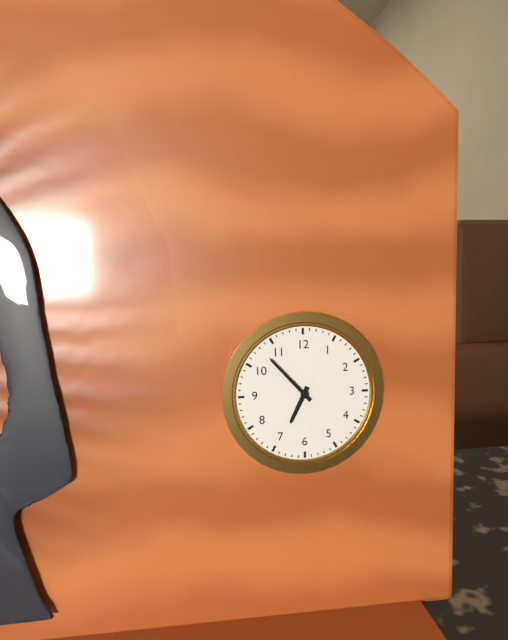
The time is **6:53**
